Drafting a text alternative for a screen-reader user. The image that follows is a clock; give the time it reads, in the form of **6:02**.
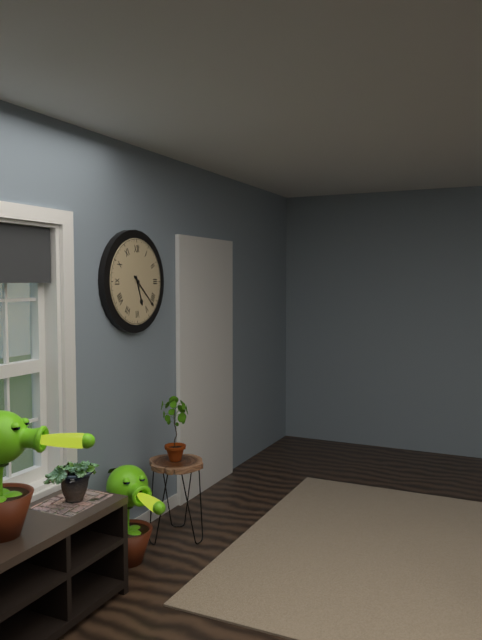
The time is **5:22**
